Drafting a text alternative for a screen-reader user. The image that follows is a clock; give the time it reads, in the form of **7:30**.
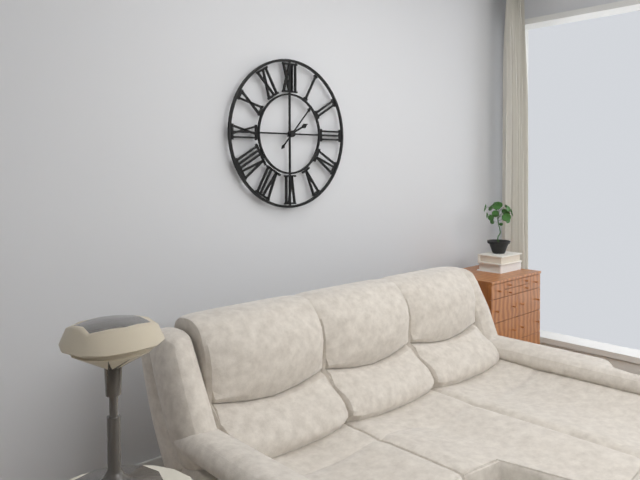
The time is **2:07**
